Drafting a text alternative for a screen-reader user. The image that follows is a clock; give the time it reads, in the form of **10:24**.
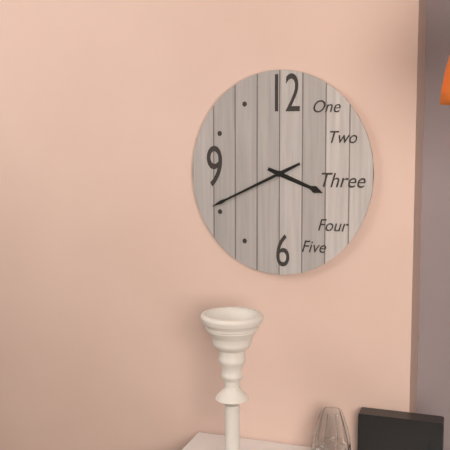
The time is **3:41**
